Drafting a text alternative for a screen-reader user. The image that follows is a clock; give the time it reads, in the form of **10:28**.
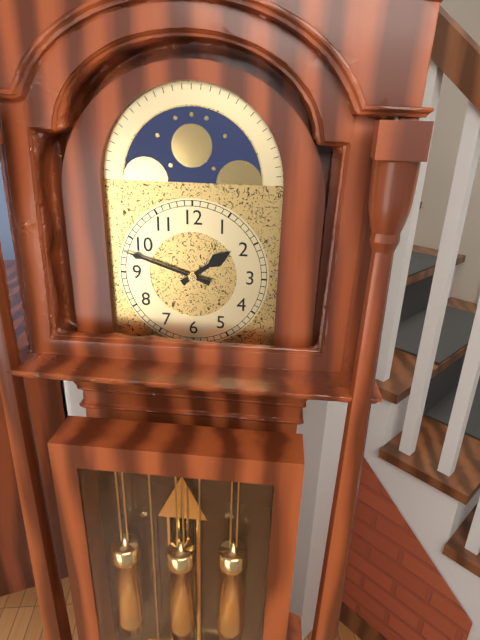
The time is **1:48**
